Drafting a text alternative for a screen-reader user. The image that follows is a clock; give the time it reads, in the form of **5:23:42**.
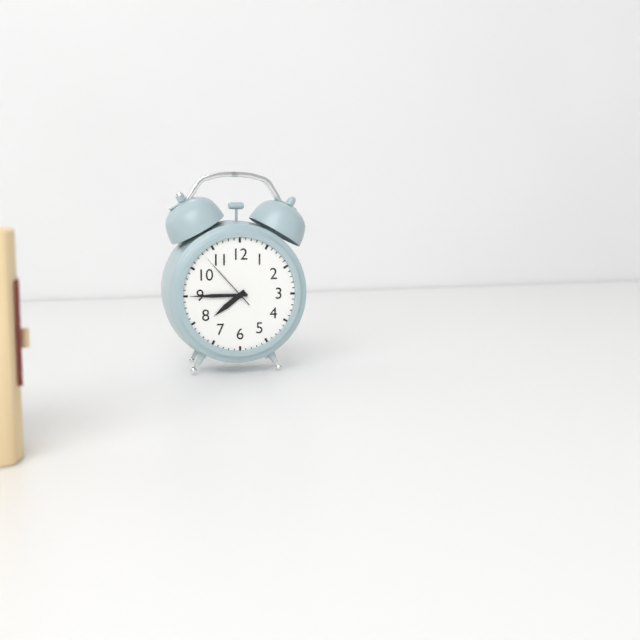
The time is **7:45:53**
